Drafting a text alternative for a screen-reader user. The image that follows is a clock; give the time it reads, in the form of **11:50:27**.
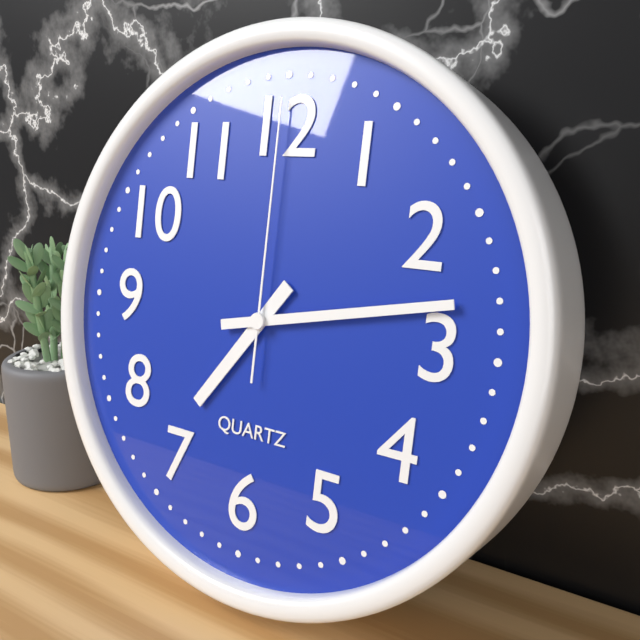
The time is **7:13:00**
